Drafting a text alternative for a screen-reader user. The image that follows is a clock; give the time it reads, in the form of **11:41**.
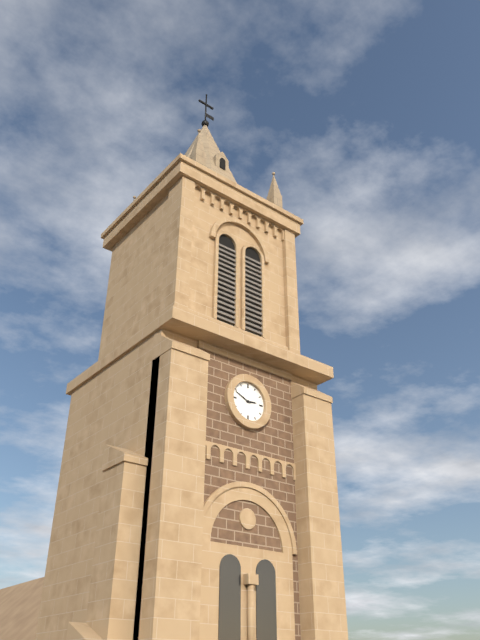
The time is **2:49**
